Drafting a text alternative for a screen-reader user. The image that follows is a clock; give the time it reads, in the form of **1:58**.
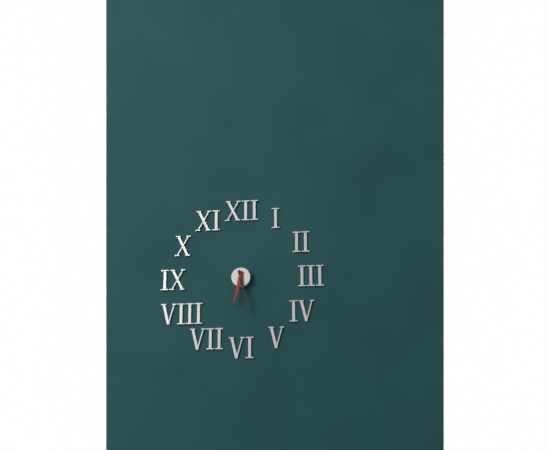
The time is **6:28**
